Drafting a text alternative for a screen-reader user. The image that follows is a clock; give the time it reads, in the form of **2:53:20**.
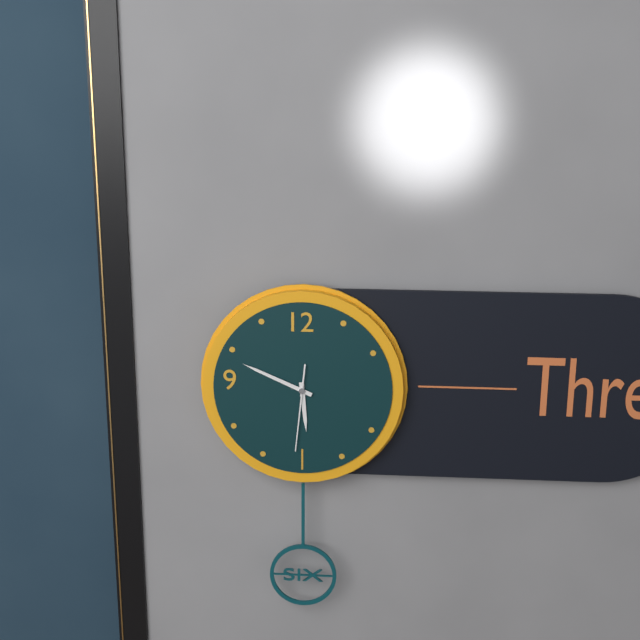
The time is **5:49:31**
